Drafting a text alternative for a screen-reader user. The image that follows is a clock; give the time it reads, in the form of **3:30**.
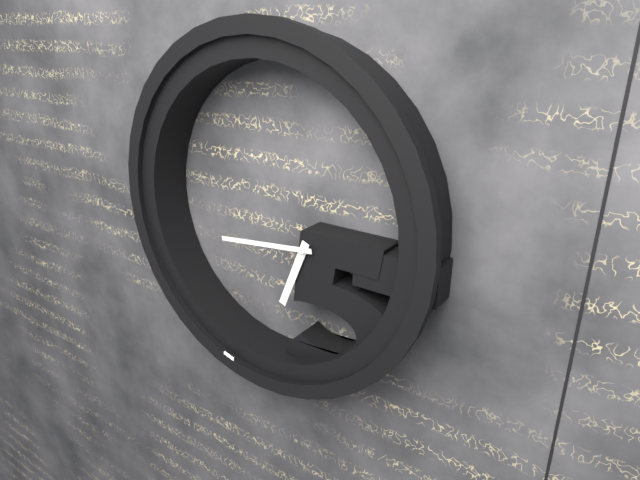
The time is **6:44**
